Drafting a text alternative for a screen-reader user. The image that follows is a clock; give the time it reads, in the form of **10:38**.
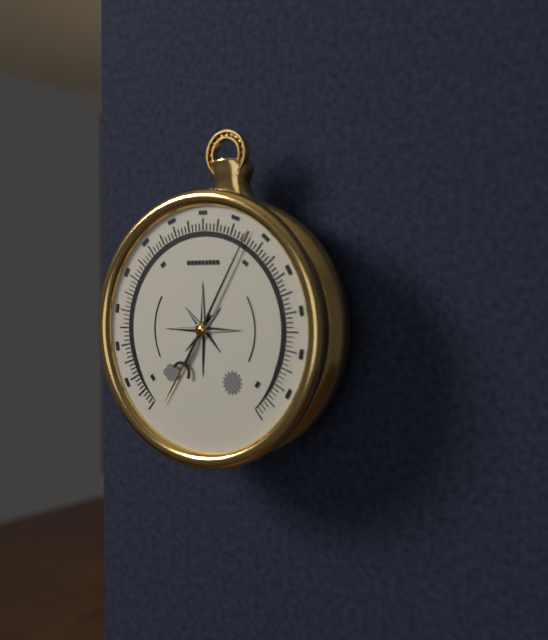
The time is **7:05**
